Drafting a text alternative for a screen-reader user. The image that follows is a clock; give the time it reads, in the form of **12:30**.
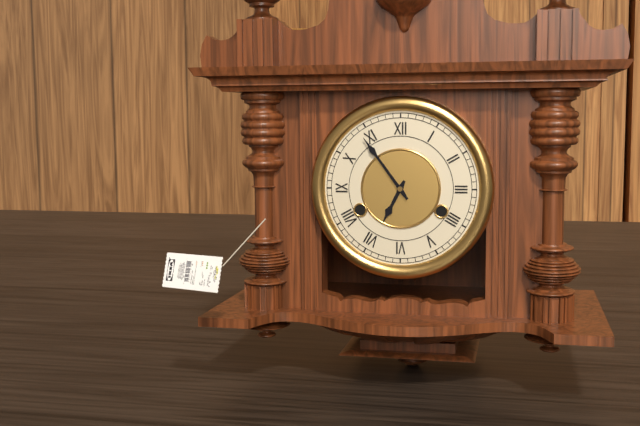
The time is **6:54**
